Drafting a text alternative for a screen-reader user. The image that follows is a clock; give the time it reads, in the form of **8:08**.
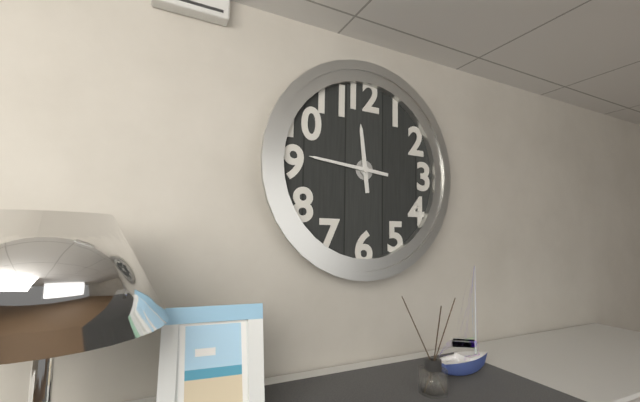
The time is **11:46**
